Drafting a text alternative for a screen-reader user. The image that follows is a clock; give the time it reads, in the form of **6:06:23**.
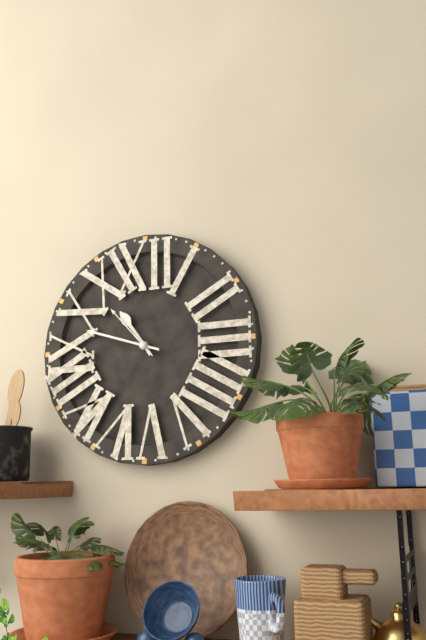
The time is **10:48:53**
